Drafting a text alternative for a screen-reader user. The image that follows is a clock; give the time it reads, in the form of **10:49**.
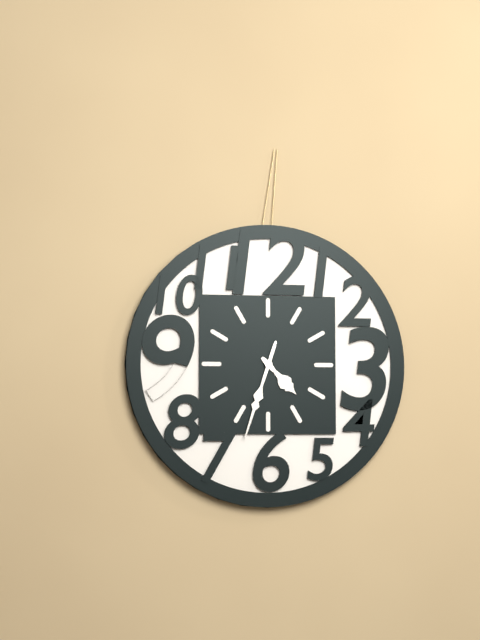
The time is **4:33**
